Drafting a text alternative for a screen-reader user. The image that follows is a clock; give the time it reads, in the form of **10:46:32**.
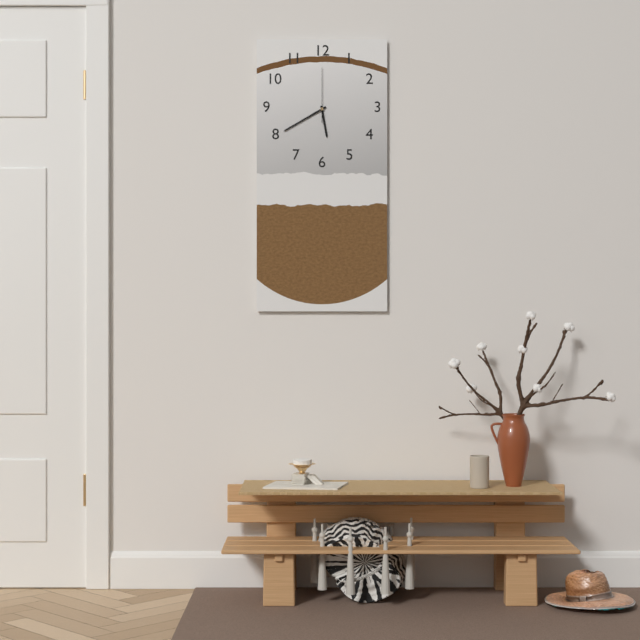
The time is **5:40:00**
